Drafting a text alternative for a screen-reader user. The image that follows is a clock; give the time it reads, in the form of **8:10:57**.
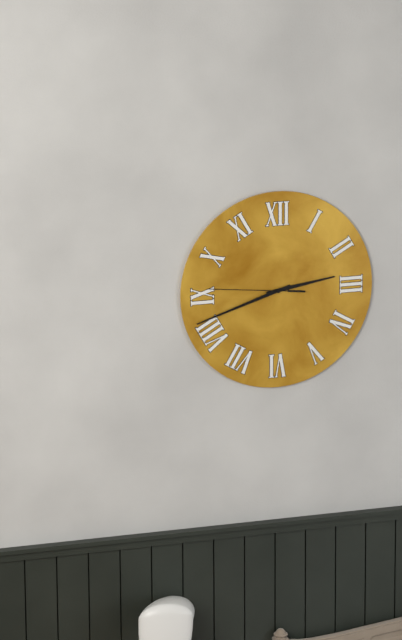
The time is **2:42:46**
